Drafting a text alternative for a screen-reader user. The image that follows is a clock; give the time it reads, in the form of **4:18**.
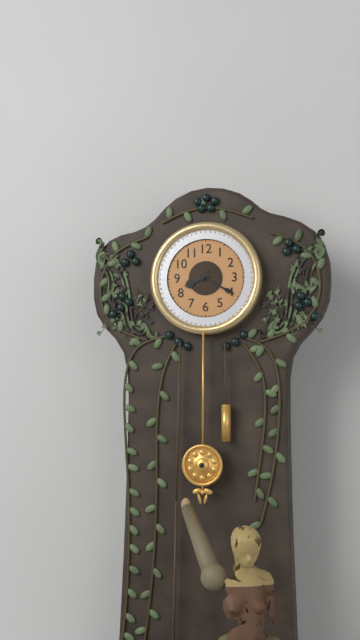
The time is **8:20**
